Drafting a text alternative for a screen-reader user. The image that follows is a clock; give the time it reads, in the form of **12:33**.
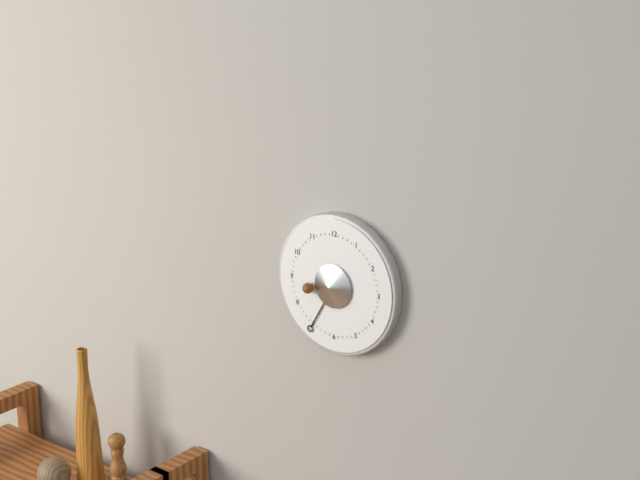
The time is **8:35**
